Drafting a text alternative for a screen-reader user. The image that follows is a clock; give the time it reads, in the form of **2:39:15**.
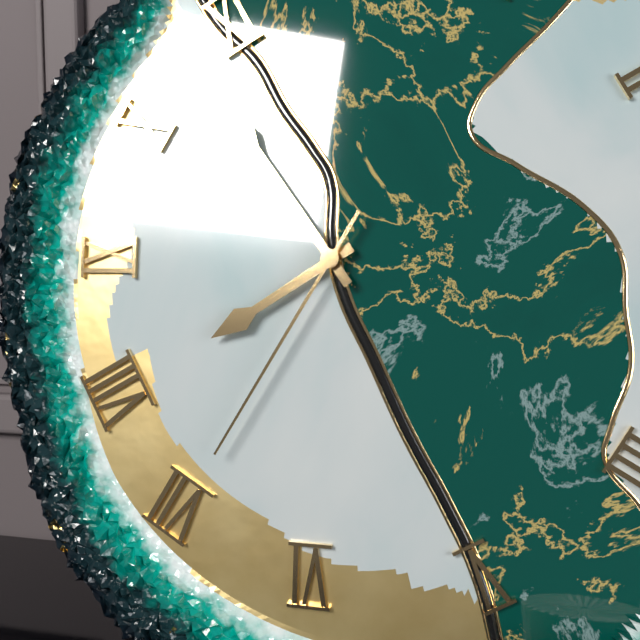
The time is **7:54:35**
